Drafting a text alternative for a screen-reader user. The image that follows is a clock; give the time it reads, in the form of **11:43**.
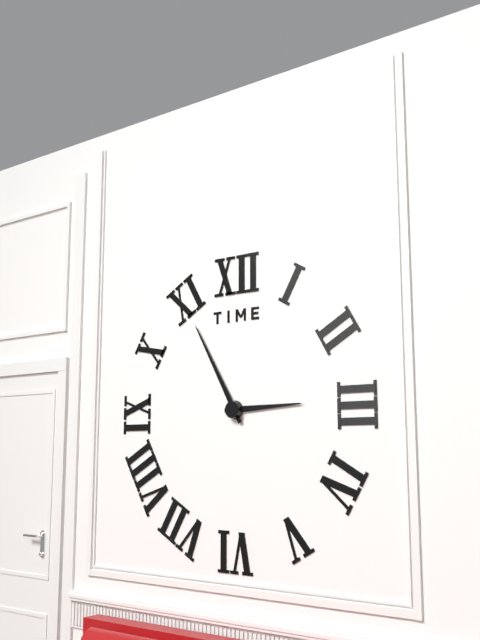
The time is **2:55**
